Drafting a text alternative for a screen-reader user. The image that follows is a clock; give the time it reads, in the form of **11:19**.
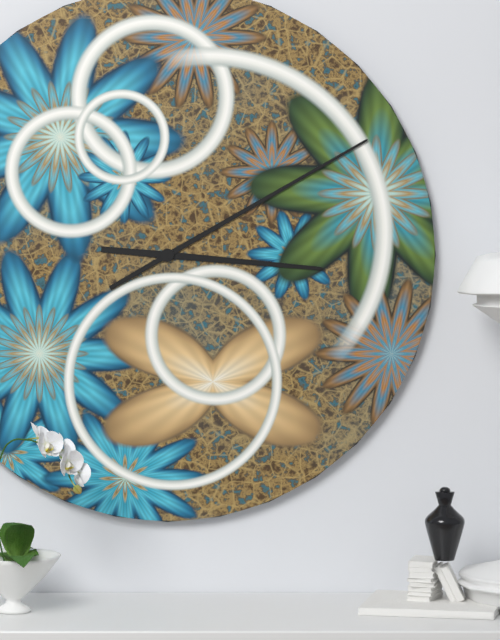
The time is **3:10**
